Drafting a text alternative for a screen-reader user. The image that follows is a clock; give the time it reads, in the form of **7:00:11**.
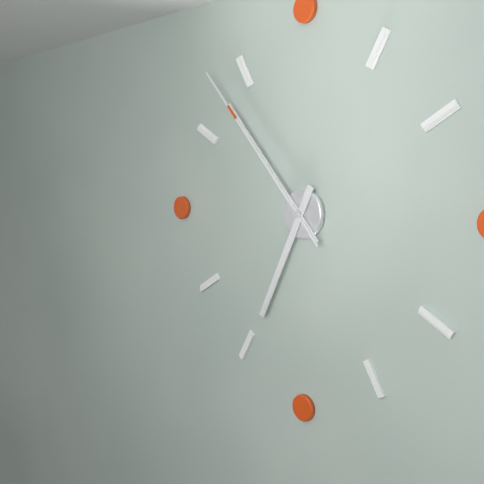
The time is **6:53:53**
